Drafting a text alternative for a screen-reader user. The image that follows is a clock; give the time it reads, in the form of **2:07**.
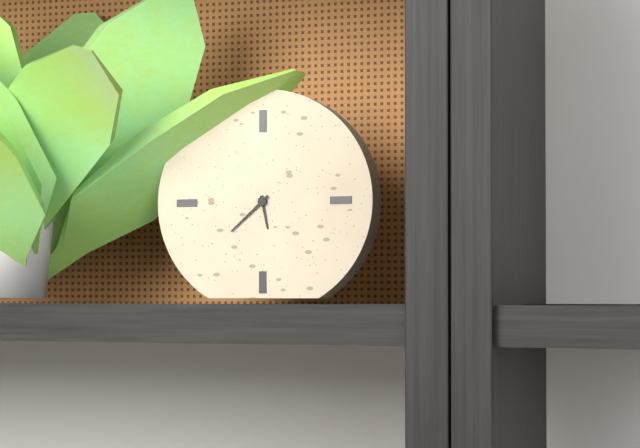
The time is **5:38**
